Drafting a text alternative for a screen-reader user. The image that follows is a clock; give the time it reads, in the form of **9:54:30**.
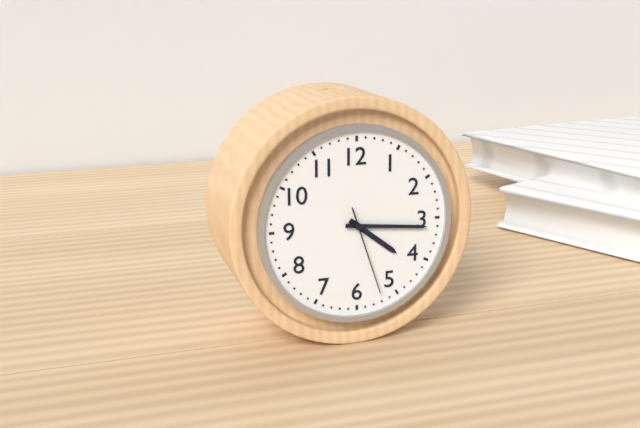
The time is **4:16:27**
